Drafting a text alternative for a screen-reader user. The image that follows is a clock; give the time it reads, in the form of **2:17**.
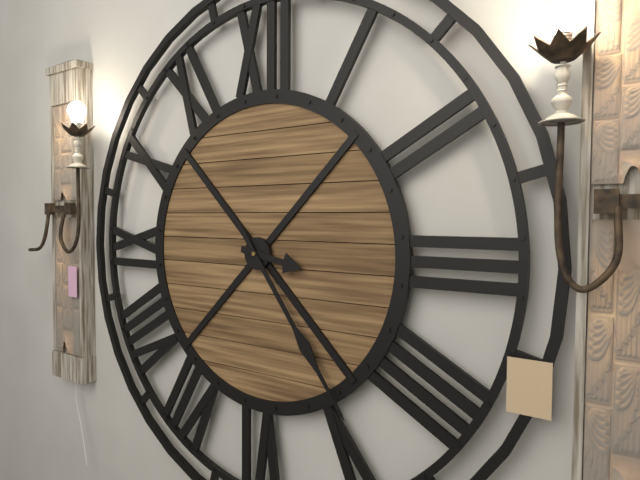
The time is **3:24**
